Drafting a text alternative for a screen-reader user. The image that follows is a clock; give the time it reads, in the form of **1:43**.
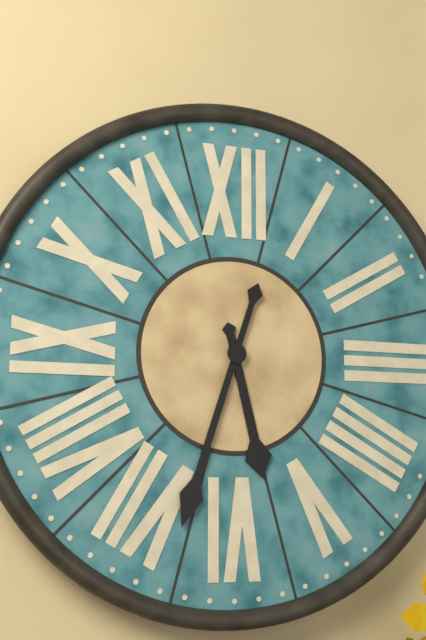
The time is **5:33**
